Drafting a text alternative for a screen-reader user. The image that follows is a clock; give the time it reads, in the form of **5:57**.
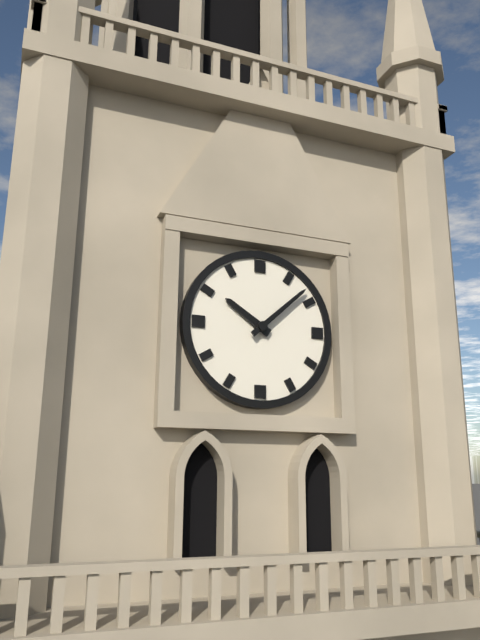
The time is **10:08**
